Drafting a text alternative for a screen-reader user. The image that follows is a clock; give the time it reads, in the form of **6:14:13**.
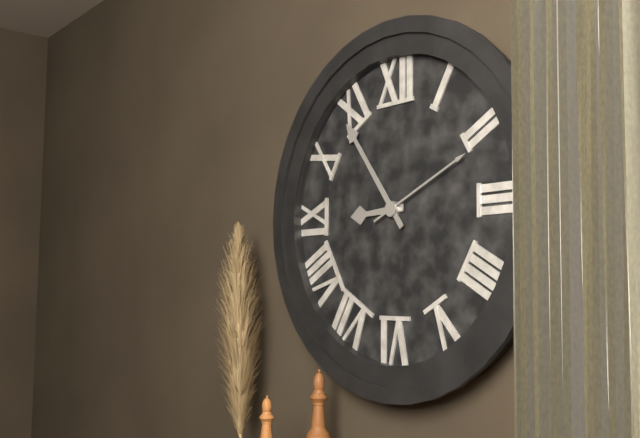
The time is **8:54:11**
